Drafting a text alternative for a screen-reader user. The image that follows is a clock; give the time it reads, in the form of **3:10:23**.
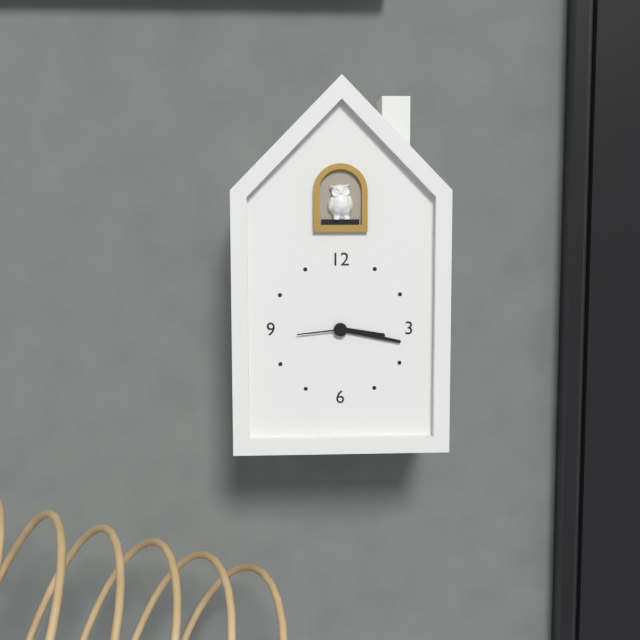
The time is **3:17:44**
